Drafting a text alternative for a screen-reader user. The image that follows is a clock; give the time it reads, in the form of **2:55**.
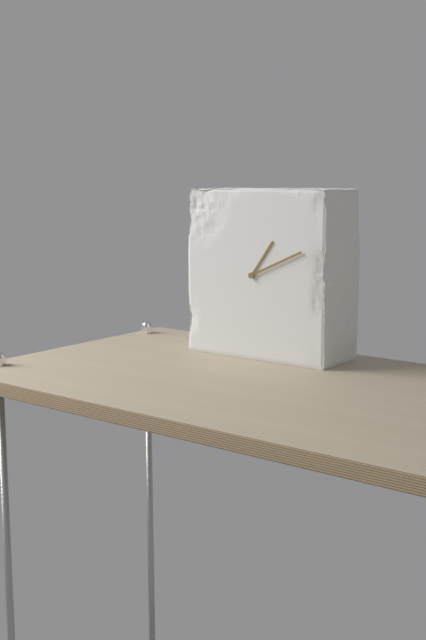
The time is **1:11**
